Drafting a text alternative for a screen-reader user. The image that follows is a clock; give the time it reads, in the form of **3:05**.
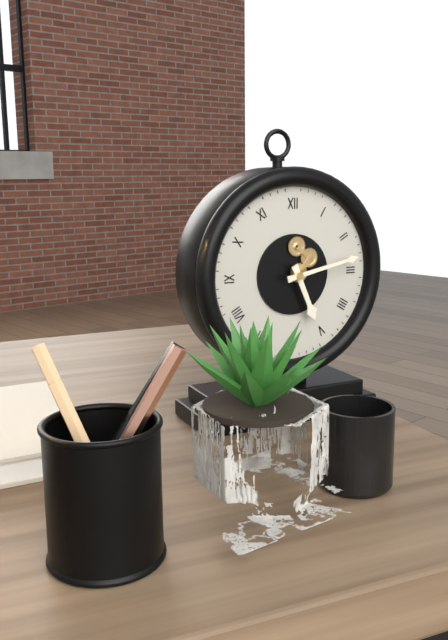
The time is **5:13**
